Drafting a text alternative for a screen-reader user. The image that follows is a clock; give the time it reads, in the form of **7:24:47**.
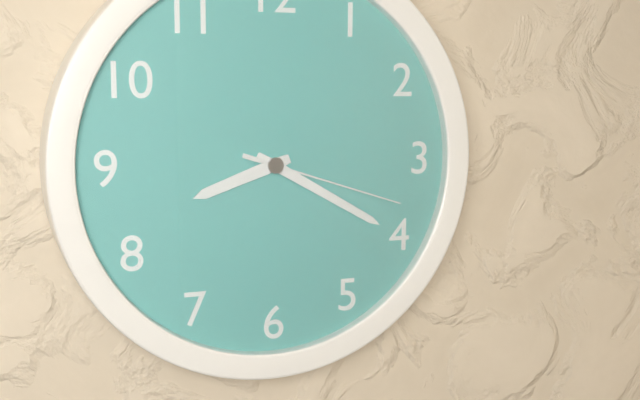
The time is **8:20:18**
